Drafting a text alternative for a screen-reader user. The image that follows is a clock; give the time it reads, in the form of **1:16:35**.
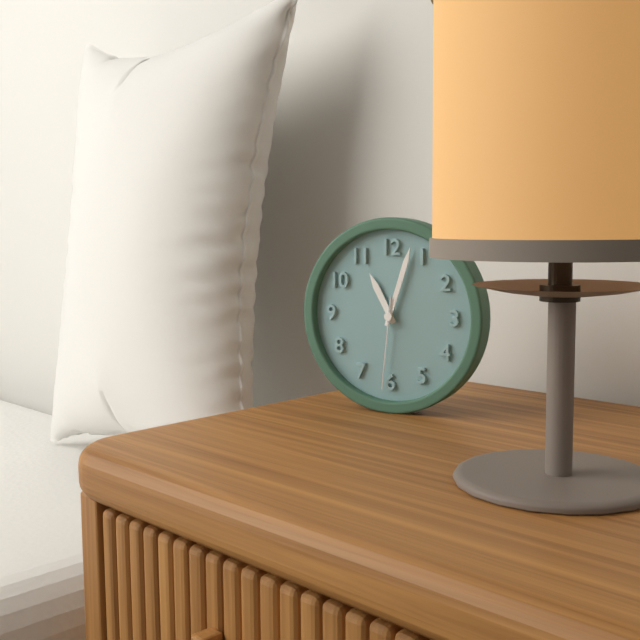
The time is **11:03:31**
